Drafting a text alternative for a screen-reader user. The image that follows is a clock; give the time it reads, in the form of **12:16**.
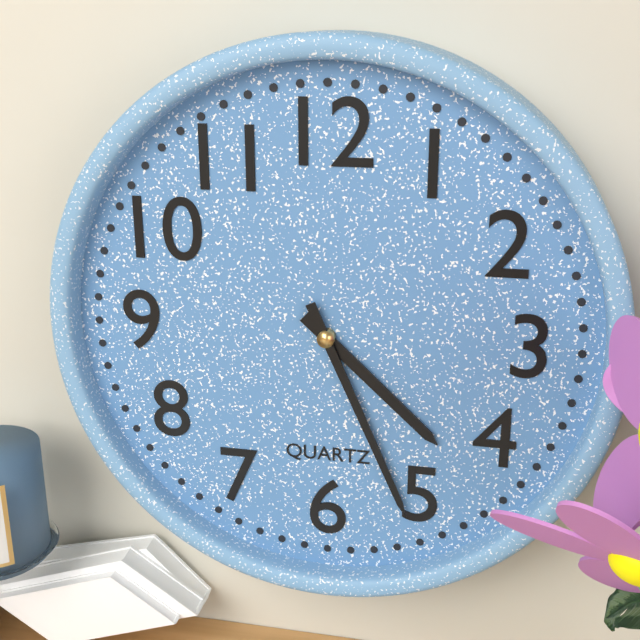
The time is **4:26**
